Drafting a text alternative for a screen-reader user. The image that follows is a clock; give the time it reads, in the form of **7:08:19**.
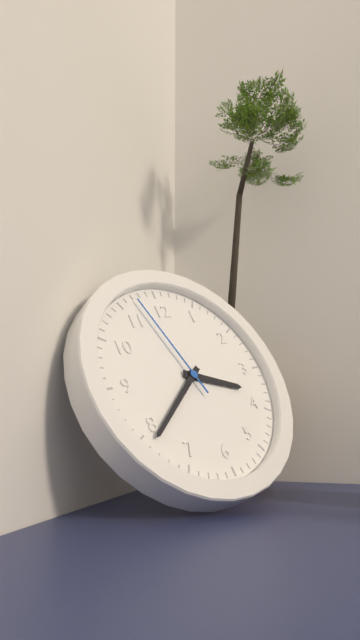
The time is **3:39:57**
